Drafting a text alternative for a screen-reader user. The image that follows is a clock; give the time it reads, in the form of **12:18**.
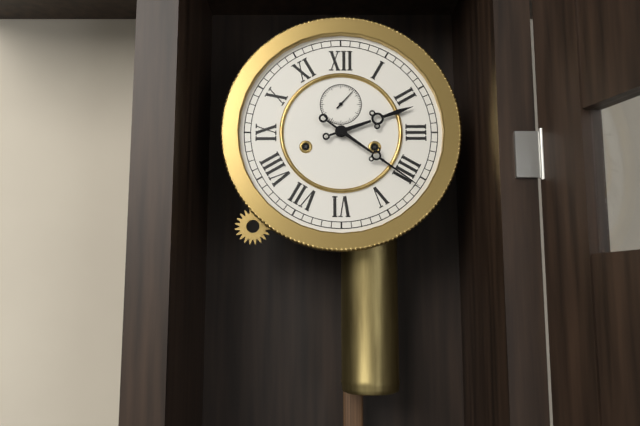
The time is **2:21**
